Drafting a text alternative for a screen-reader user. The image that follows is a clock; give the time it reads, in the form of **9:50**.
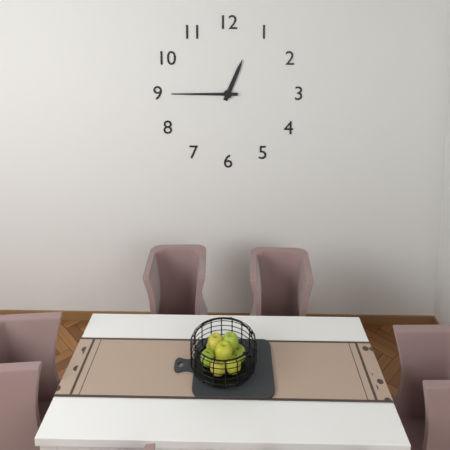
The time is **12:45**
